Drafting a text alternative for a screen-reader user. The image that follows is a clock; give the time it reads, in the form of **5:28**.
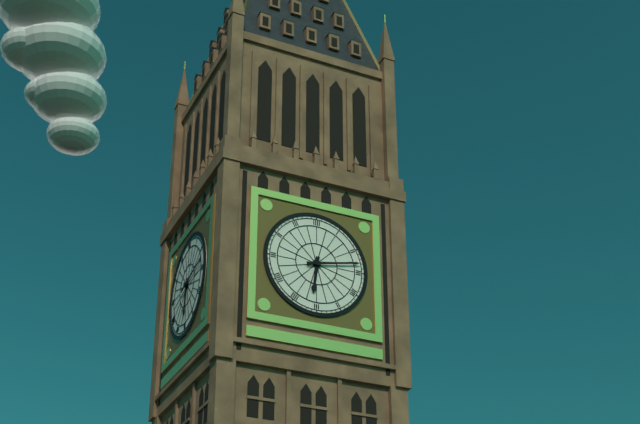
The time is **6:13**
